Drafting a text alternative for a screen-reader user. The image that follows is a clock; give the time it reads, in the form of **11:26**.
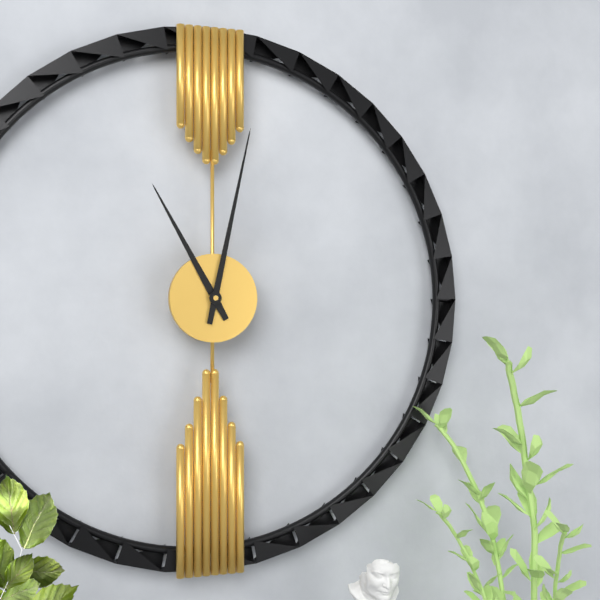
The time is **11:02**
